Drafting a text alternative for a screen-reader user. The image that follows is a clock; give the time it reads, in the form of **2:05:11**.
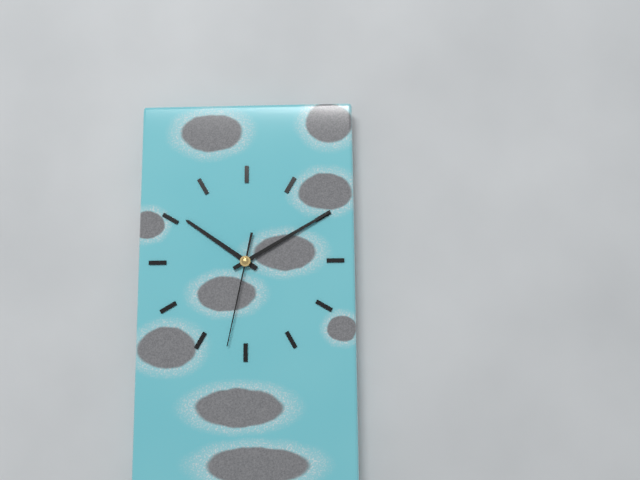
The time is **10:10:32**
